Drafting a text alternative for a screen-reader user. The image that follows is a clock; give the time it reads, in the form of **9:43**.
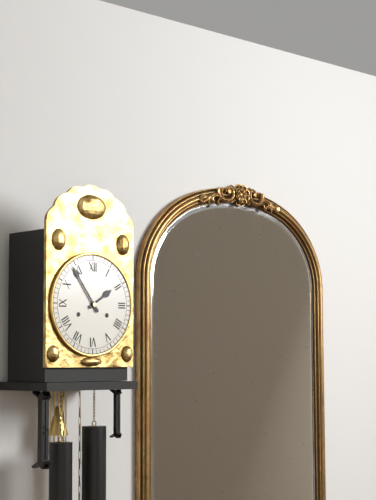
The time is **1:54**
